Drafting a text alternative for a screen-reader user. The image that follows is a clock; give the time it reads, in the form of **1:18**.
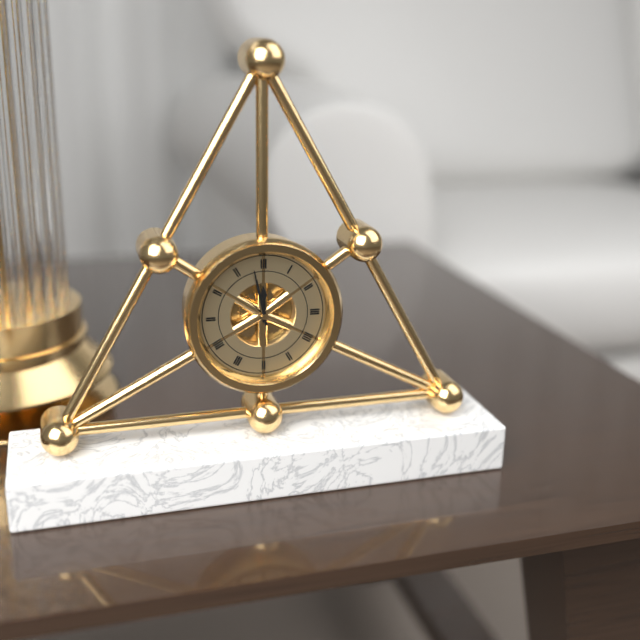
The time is **11:58**
